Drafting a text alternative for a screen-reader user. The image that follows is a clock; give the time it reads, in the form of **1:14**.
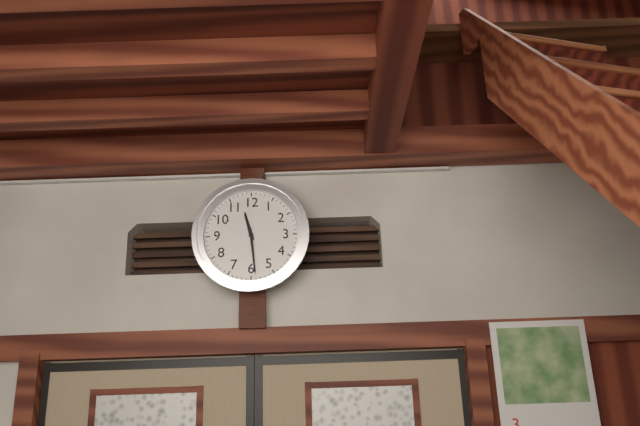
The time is **11:29**
